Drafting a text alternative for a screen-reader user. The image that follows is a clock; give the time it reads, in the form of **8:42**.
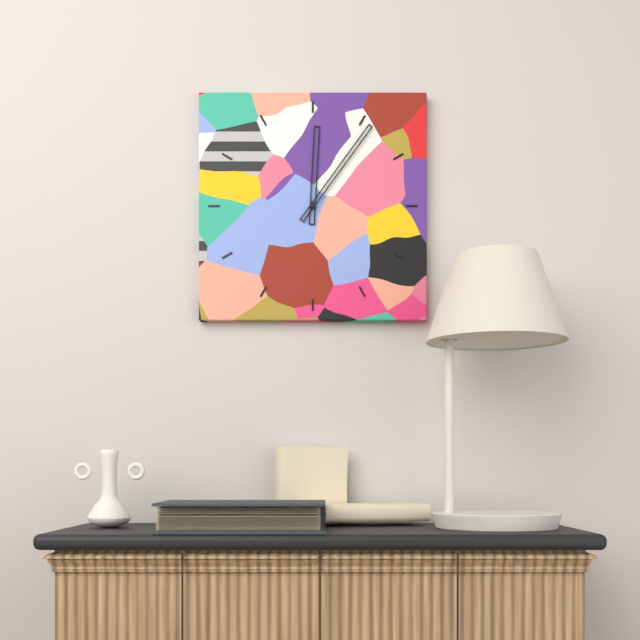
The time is **12:06**
